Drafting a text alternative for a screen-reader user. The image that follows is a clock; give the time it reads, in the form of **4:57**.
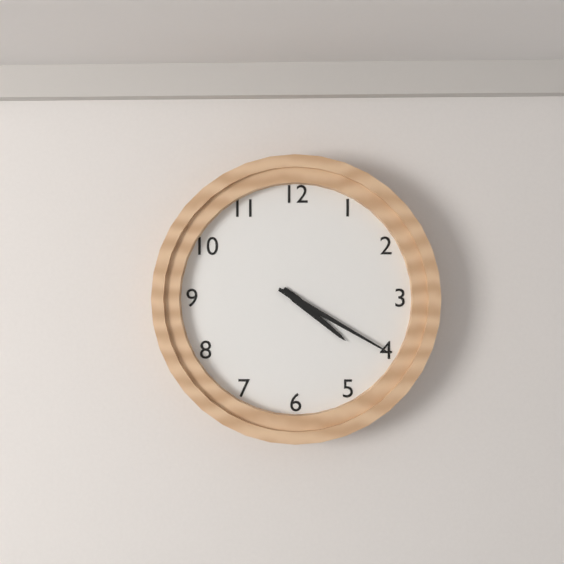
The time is **4:20**
